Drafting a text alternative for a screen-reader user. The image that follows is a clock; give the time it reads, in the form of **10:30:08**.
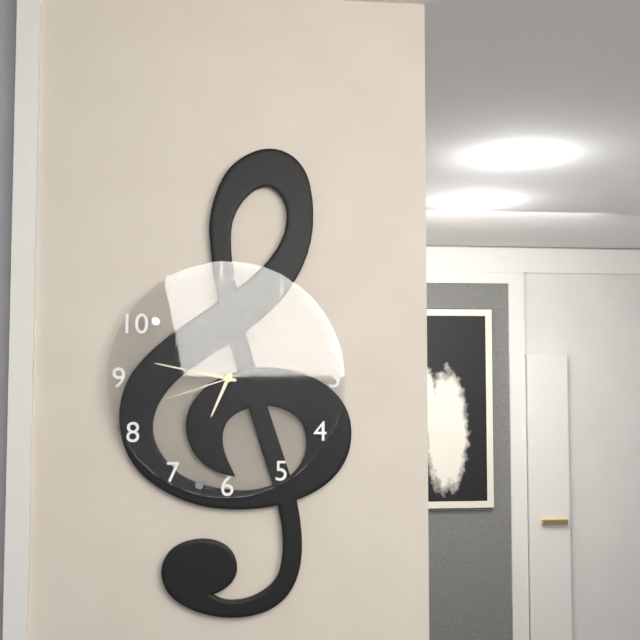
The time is **6:47:42**
